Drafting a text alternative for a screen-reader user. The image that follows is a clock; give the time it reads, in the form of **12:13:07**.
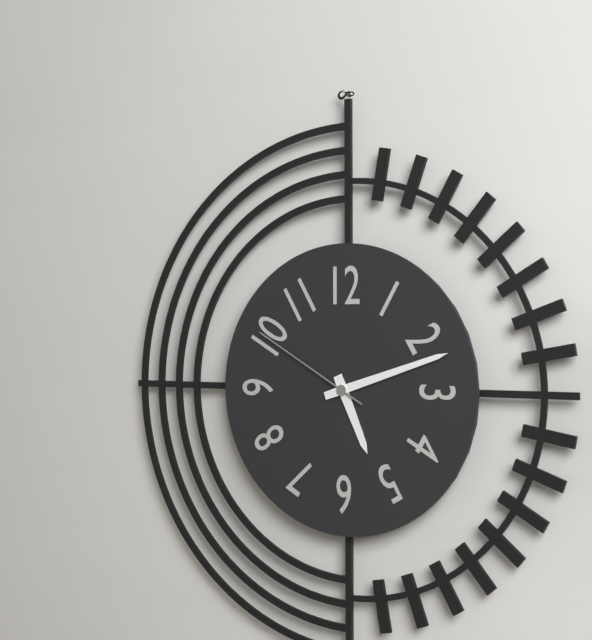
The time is **5:12:50**
